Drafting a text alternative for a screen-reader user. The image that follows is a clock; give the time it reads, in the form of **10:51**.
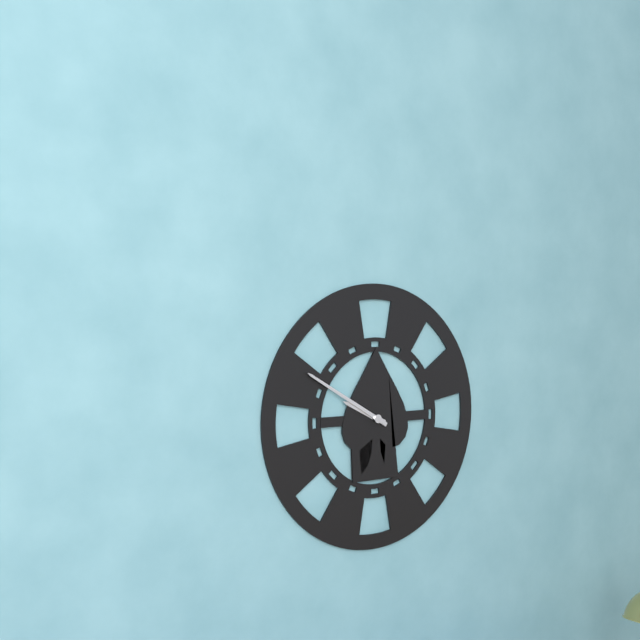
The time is **9:50**
